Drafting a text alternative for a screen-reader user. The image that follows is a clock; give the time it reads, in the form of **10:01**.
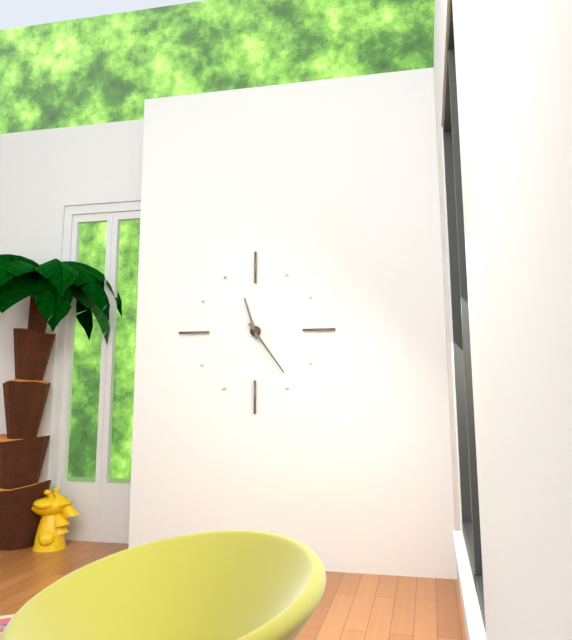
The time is **11:24**
